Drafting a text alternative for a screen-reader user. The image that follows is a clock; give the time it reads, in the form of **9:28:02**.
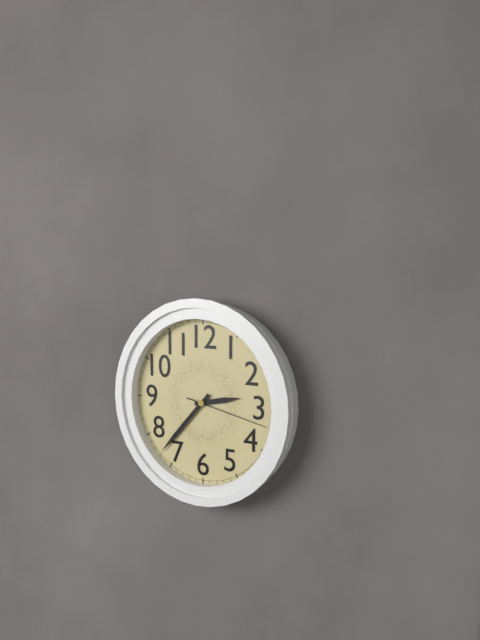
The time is **2:37:17**
